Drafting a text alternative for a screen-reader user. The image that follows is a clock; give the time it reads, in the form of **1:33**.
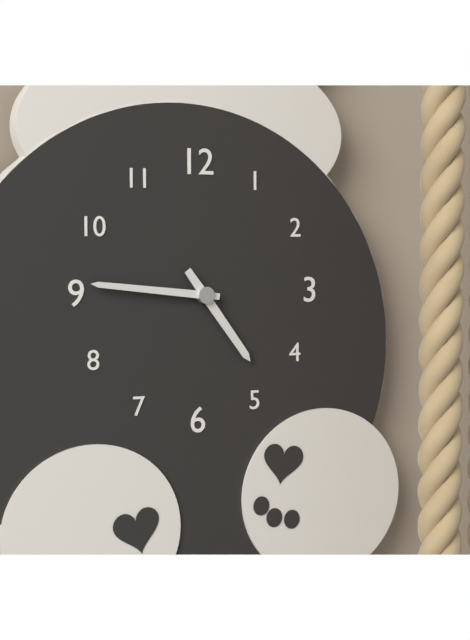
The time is **4:46**
